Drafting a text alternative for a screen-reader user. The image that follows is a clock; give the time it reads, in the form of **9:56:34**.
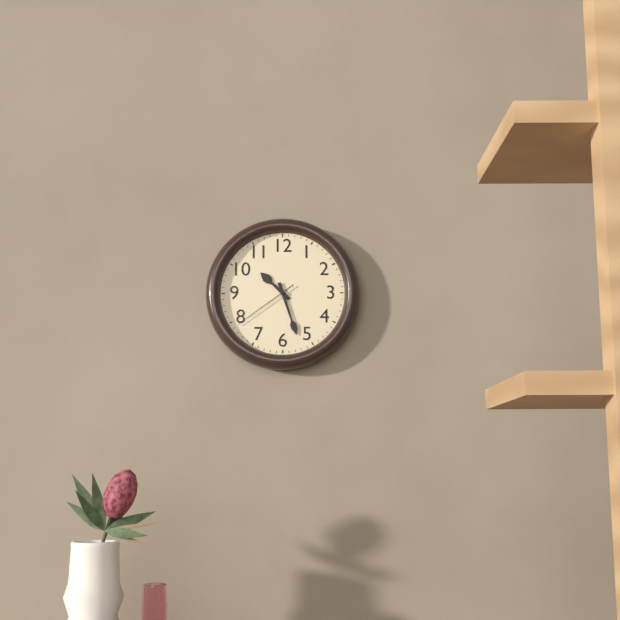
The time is **10:27:39**
